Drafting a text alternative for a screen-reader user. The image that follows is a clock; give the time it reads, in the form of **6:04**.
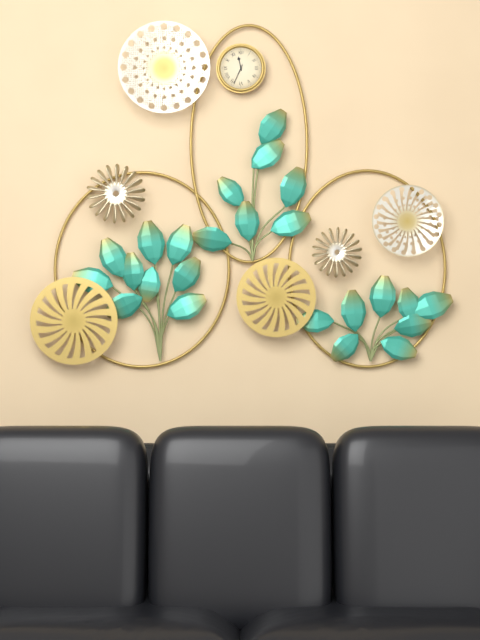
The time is **11:34**
